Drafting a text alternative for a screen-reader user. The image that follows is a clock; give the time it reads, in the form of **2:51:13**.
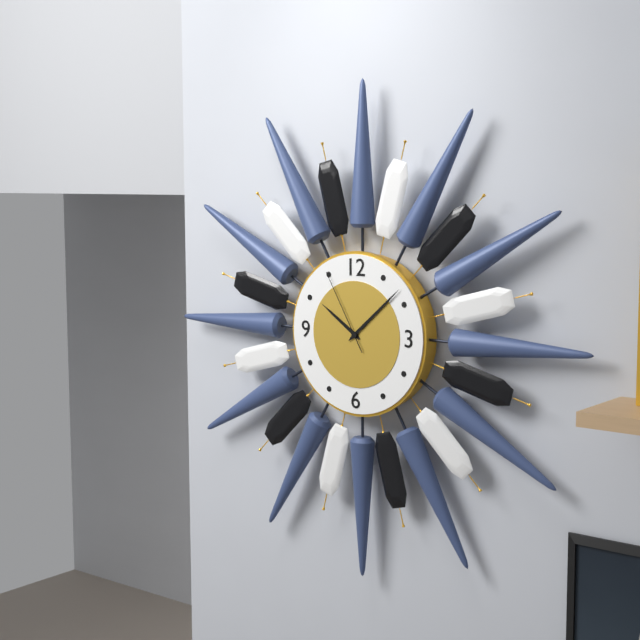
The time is **10:08:55**
